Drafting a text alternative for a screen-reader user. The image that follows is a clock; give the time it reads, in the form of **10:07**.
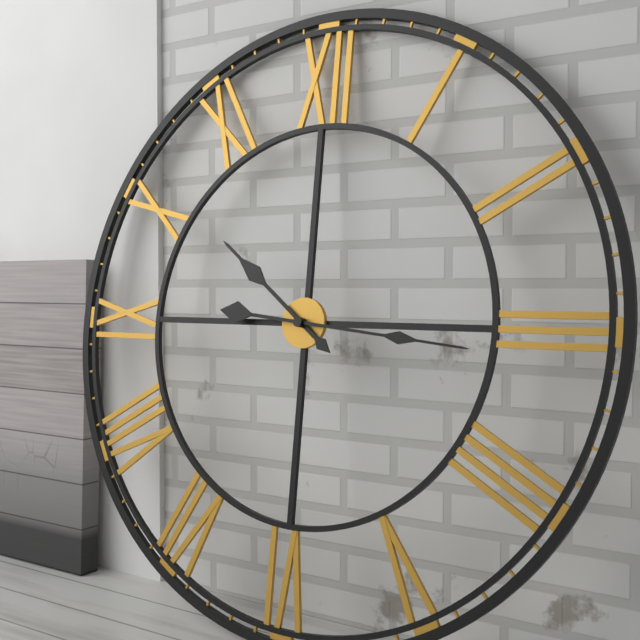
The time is **10:16**
